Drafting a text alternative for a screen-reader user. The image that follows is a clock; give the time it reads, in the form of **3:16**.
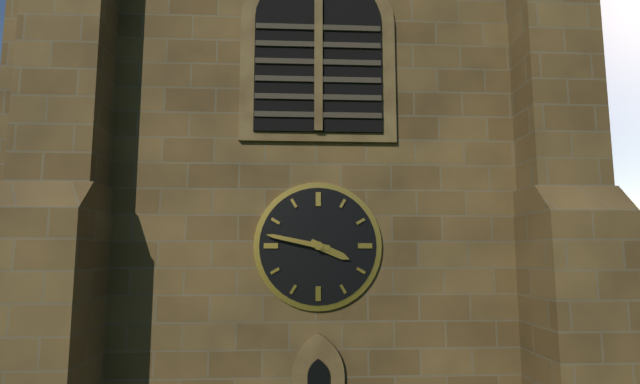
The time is **3:47**
